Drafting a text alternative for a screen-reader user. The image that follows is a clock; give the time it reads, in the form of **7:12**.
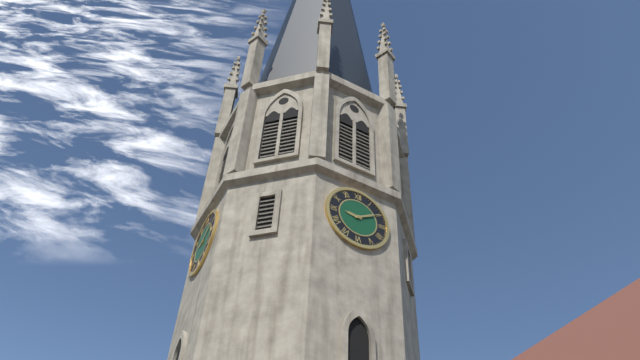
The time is **9:10**
